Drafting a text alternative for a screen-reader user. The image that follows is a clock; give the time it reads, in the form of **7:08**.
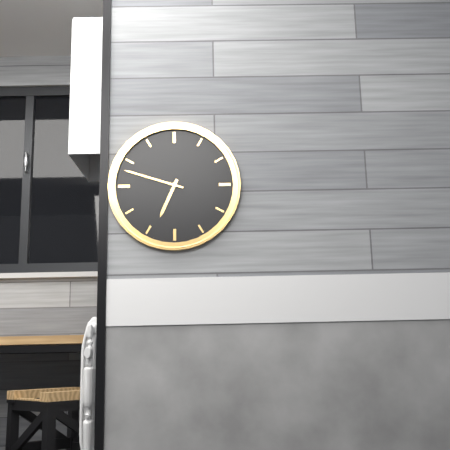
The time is **6:48**
